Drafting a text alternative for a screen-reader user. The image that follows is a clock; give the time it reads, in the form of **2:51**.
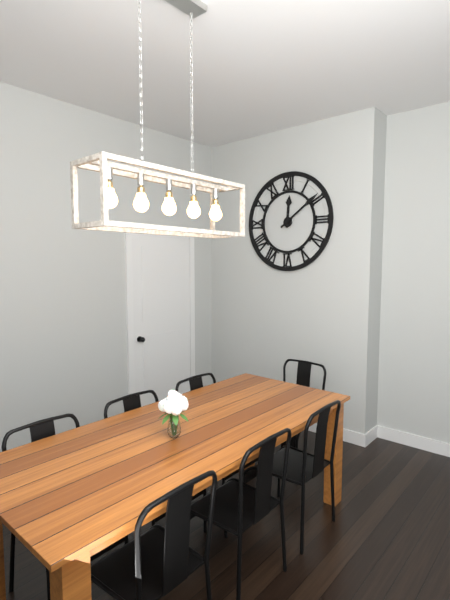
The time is **12:09**
